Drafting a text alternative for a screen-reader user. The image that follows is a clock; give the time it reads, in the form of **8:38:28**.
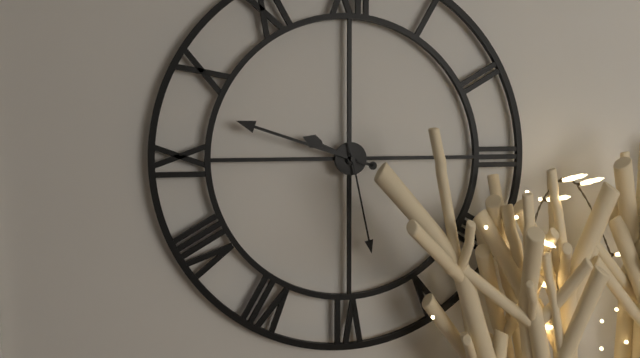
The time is **9:48:28**
